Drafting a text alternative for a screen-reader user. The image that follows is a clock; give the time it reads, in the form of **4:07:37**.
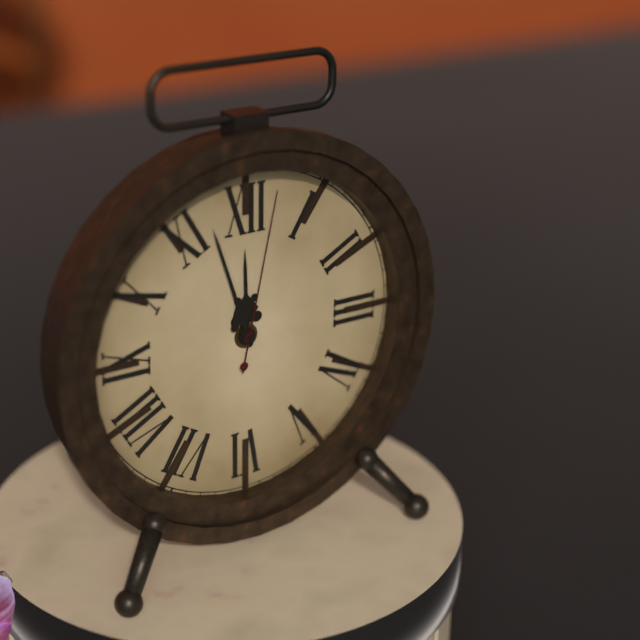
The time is **11:57:02**
